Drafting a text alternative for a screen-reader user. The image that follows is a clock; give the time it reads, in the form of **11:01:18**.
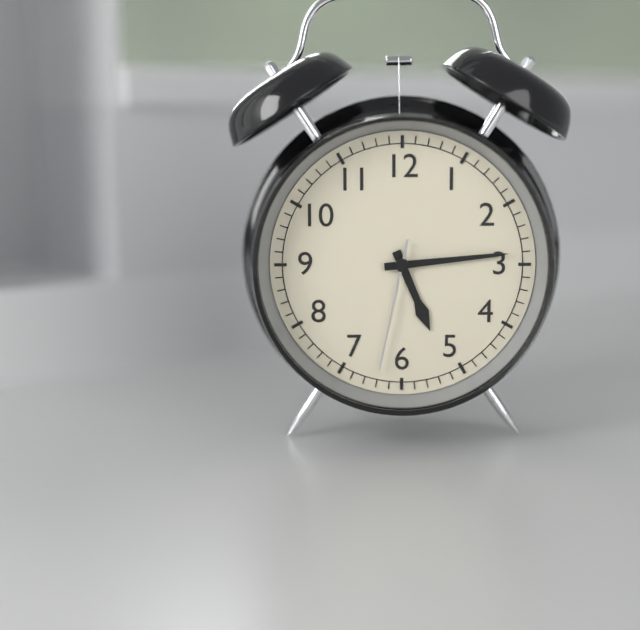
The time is **5:14:32**
